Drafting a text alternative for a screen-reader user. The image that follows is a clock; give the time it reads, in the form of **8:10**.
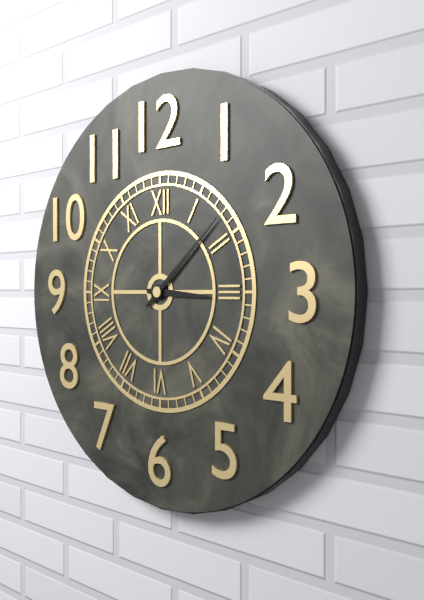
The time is **3:08**
